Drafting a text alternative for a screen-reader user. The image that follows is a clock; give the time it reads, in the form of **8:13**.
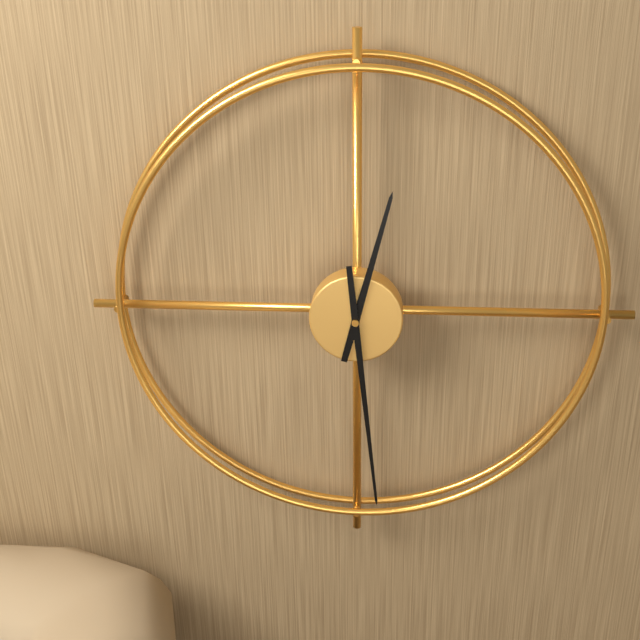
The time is **12:29**
